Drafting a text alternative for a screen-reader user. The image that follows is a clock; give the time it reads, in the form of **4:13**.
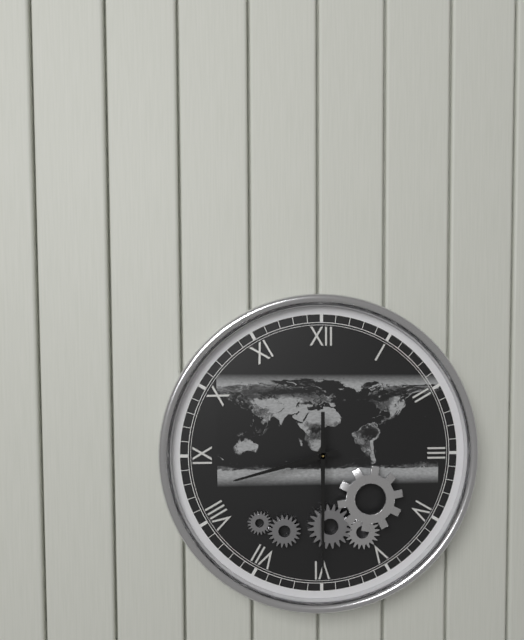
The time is **8:30**
